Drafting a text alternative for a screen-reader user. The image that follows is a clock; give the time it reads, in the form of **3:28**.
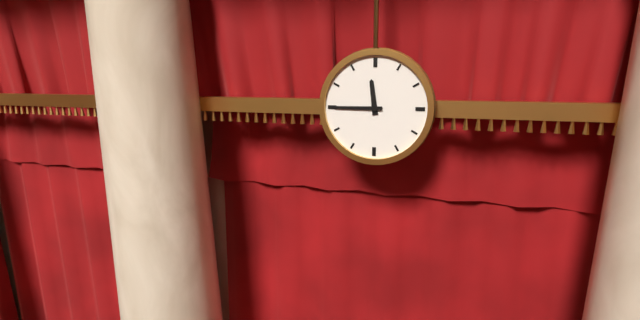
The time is **11:45**
